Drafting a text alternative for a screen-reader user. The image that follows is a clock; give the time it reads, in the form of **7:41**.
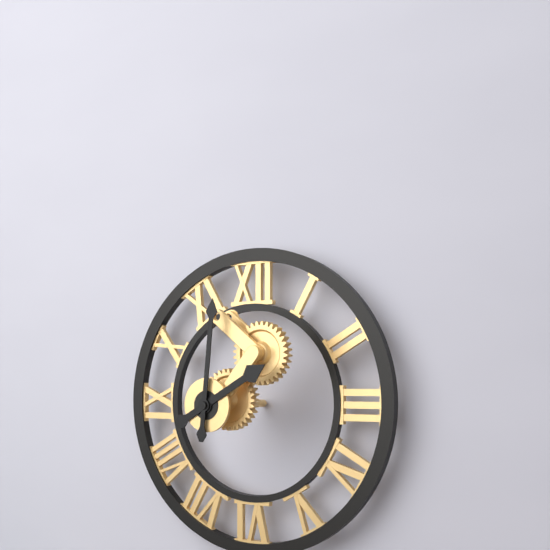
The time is **2:01**
